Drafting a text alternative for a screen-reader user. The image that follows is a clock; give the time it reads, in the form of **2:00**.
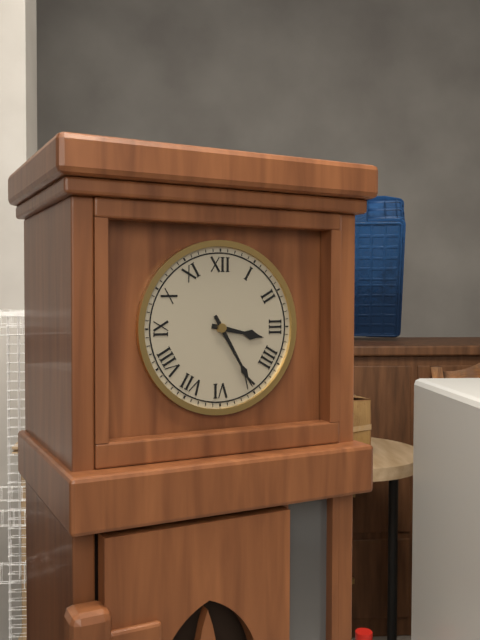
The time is **3:25**
